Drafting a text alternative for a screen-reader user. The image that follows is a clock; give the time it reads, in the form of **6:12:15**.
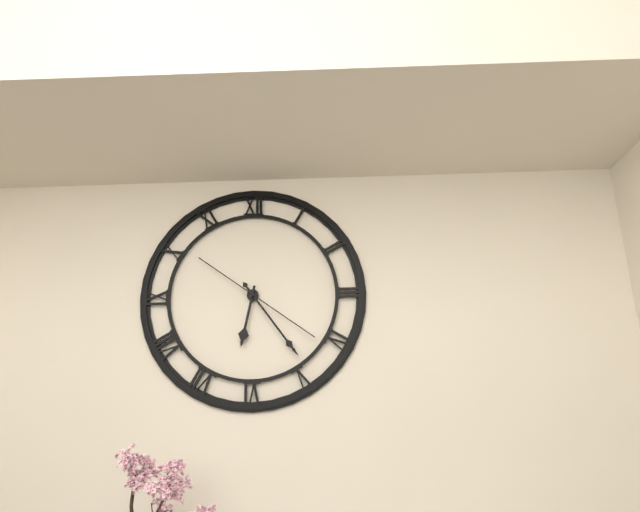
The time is **6:24:21**
